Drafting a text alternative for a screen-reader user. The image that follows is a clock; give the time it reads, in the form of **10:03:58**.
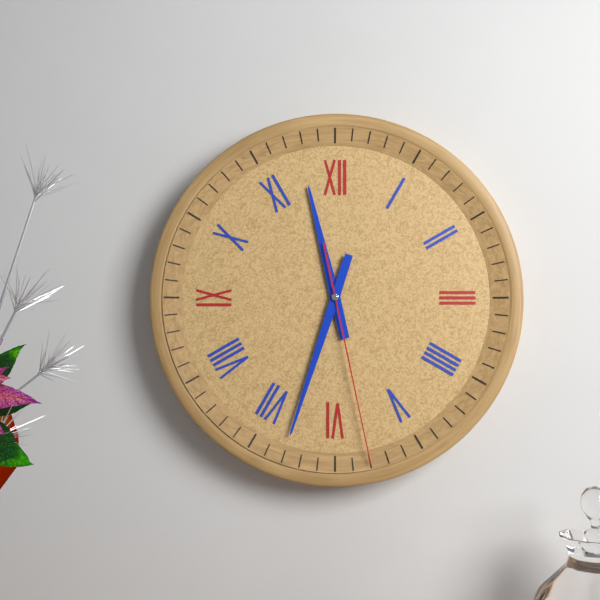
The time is **11:33:28**
